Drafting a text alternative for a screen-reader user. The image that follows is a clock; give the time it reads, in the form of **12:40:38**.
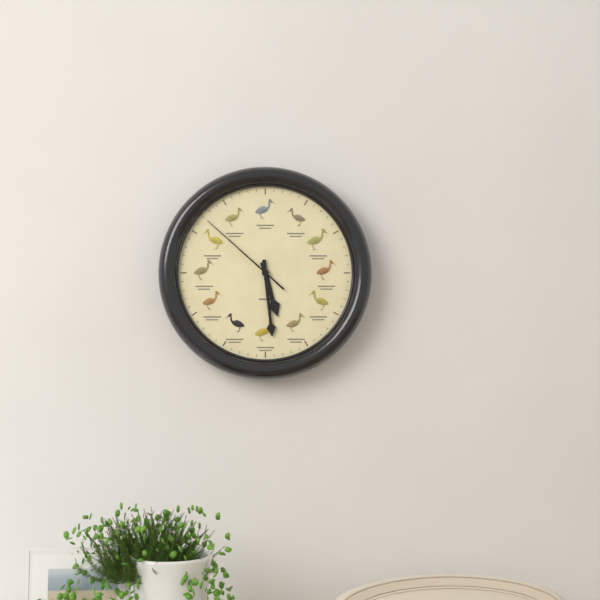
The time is **5:29:52**
